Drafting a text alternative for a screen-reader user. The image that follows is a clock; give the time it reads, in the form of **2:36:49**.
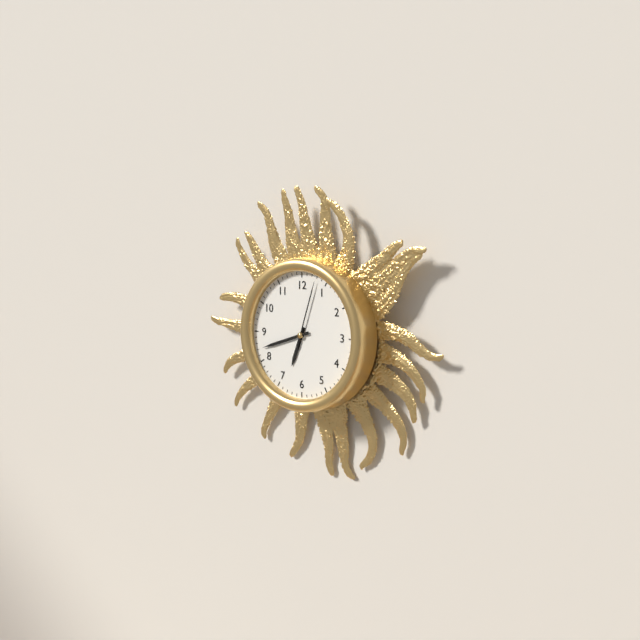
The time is **6:42:03**
